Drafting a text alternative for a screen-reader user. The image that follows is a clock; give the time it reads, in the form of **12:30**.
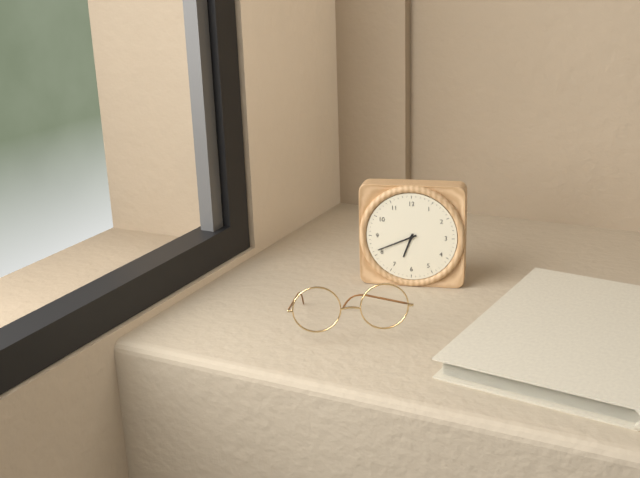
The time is **6:41**
